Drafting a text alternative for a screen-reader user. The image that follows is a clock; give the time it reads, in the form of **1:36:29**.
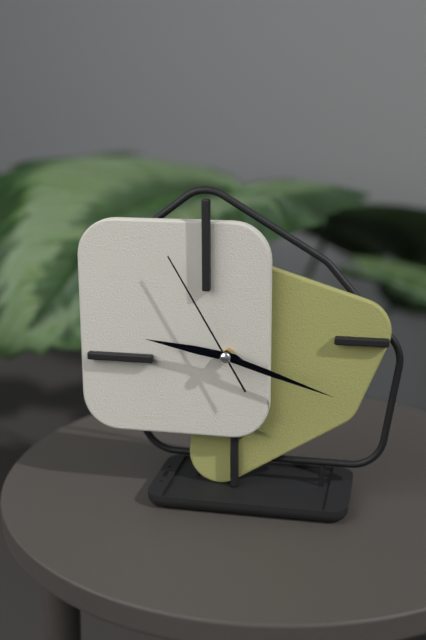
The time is **9:18:55**
